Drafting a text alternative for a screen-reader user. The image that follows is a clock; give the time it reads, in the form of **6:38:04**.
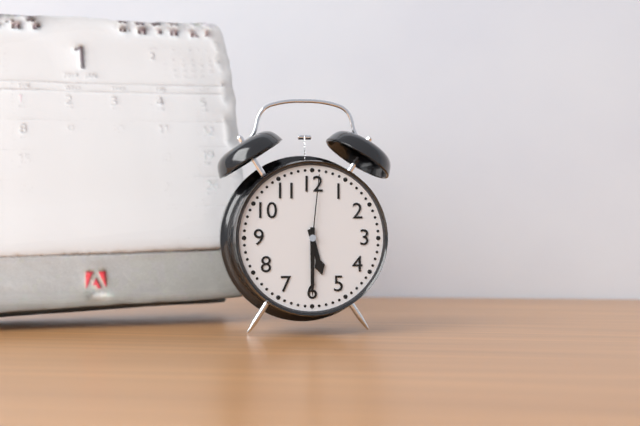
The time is **5:30:01**
